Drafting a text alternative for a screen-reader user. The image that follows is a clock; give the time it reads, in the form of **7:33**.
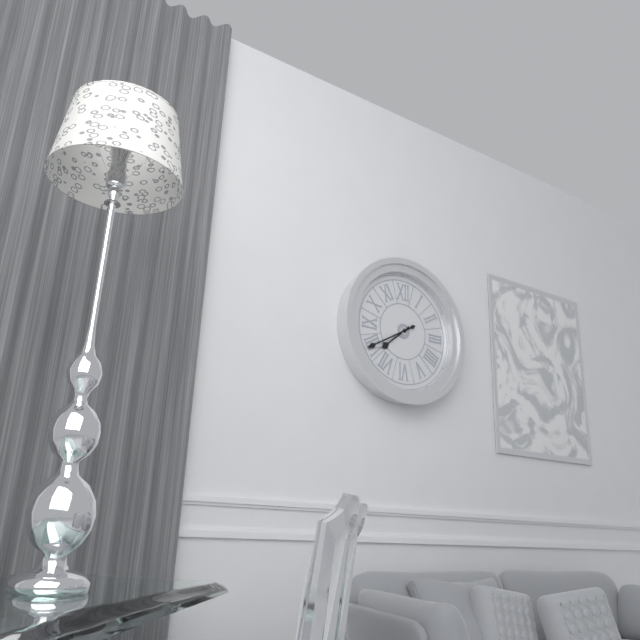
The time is **7:40**
